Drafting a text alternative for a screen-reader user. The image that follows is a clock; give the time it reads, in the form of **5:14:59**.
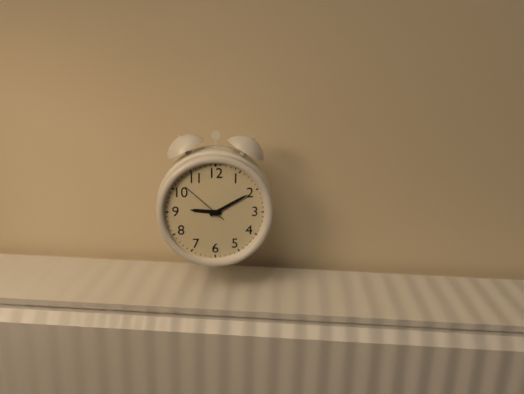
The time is **9:10:52**
